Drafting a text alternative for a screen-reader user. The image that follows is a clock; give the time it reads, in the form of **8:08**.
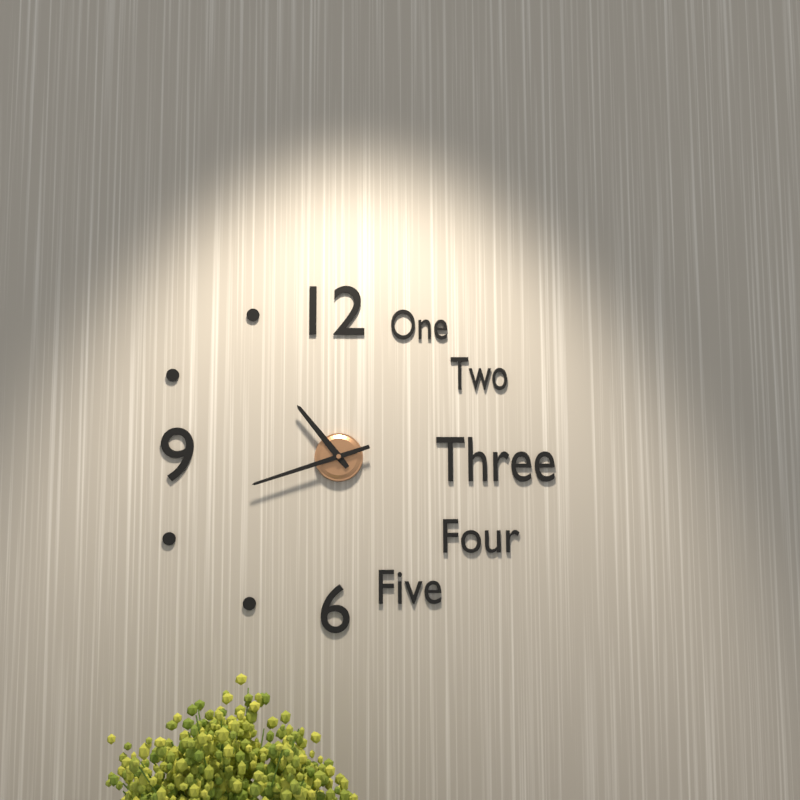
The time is **10:42**
